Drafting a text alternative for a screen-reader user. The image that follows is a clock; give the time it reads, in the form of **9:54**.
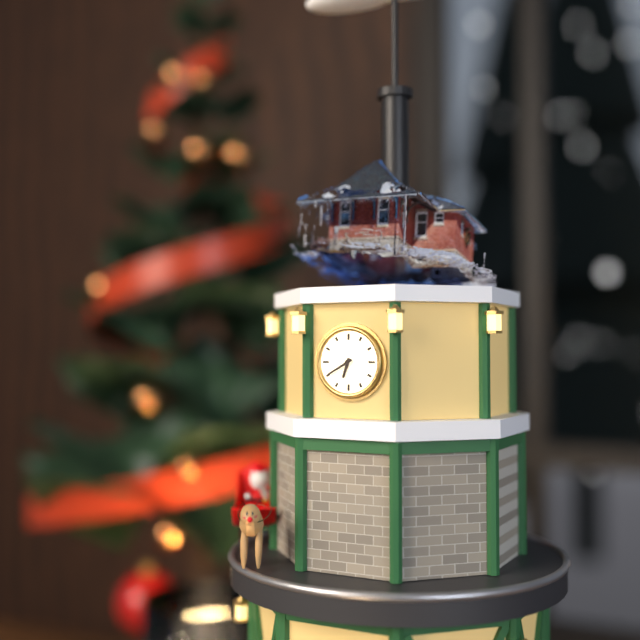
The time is **6:40**
